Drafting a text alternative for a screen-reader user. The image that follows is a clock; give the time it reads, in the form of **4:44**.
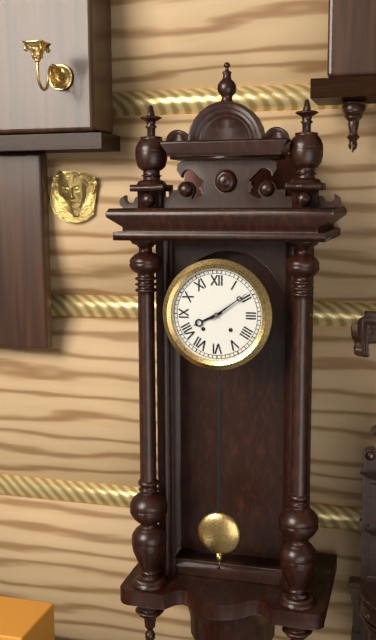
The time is **8:09**
